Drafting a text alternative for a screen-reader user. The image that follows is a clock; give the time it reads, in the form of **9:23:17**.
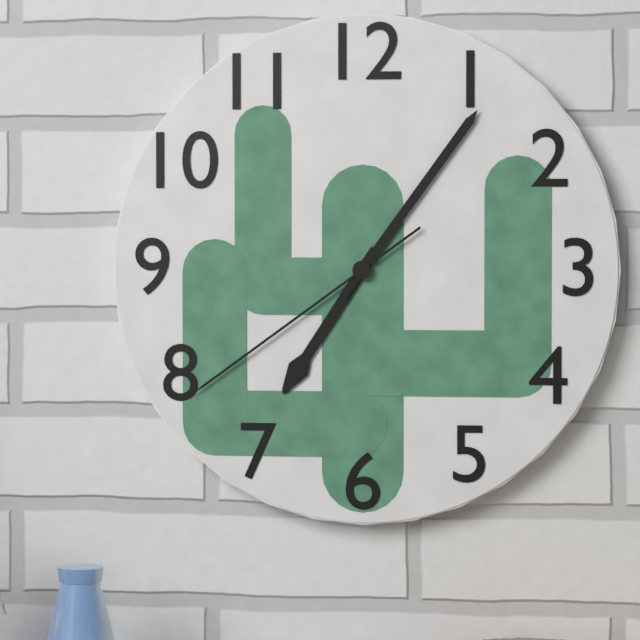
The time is **7:06:39**
